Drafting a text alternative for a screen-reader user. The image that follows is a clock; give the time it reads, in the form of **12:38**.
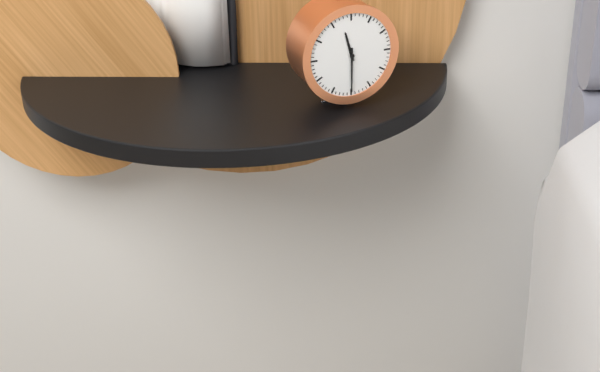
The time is **11:30**
